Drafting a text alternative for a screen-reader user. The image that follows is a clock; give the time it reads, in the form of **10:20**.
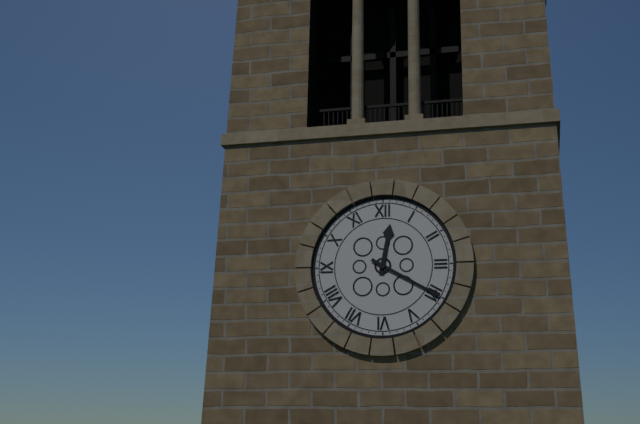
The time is **12:20**
